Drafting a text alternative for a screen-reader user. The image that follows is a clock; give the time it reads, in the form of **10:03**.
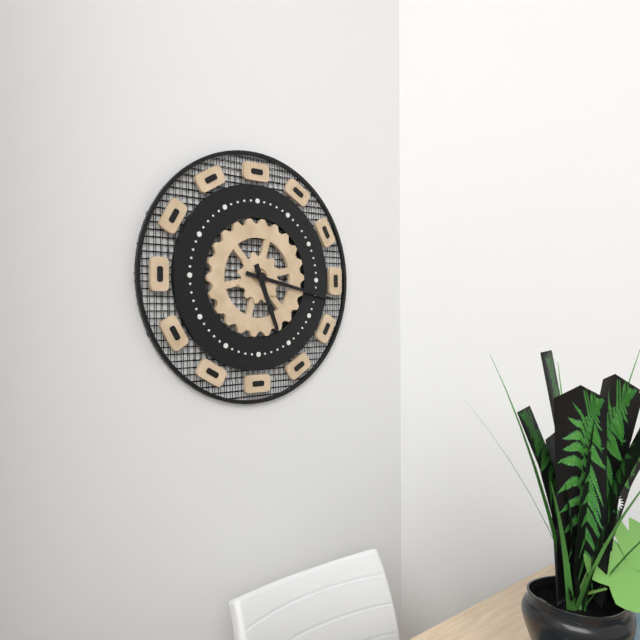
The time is **5:17**
